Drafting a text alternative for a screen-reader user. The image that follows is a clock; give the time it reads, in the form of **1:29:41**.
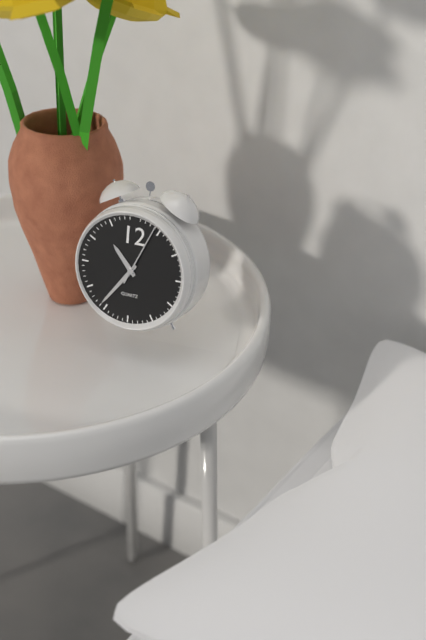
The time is **10:36:04**
